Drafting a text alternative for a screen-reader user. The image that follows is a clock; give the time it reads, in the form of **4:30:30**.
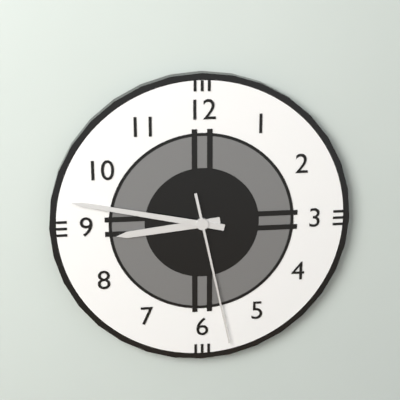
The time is **8:47:28**
